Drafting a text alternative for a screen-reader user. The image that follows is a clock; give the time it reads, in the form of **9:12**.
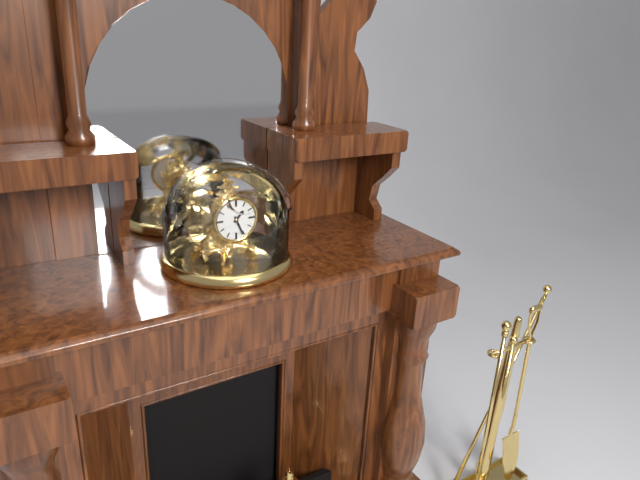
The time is **1:26**
